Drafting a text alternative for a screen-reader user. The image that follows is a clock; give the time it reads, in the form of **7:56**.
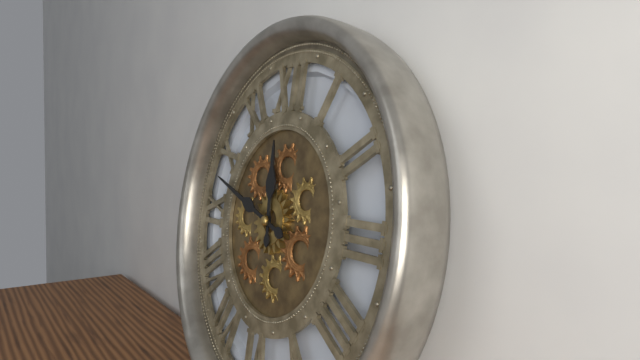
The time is **11:48**
